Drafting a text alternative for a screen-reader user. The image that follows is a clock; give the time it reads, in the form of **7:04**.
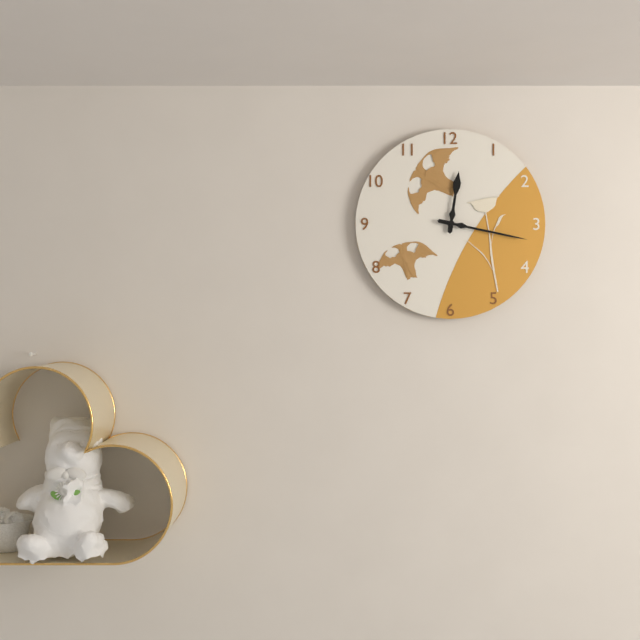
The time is **12:17**
